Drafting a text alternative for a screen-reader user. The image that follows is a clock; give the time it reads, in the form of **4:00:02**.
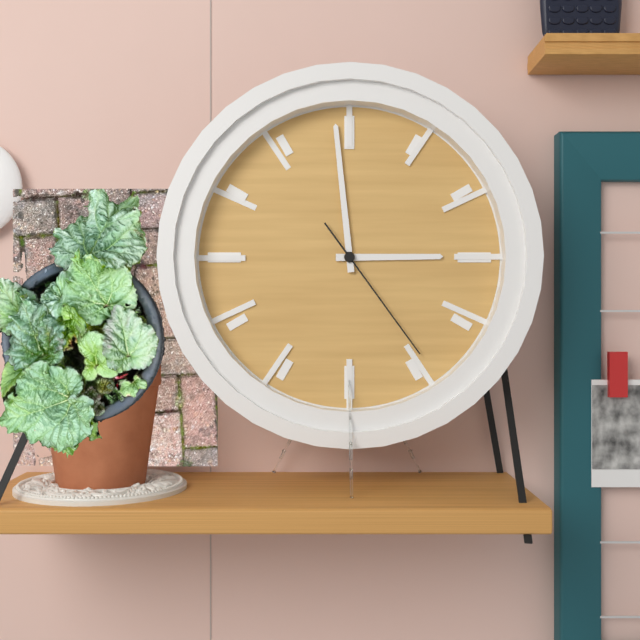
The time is **2:59:24**
